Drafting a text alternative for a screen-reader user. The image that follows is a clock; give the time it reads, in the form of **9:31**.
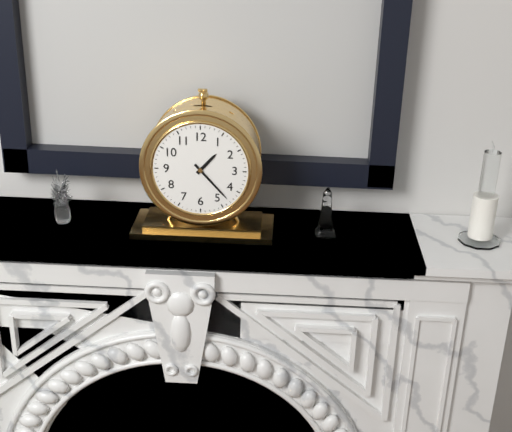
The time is **1:23**
